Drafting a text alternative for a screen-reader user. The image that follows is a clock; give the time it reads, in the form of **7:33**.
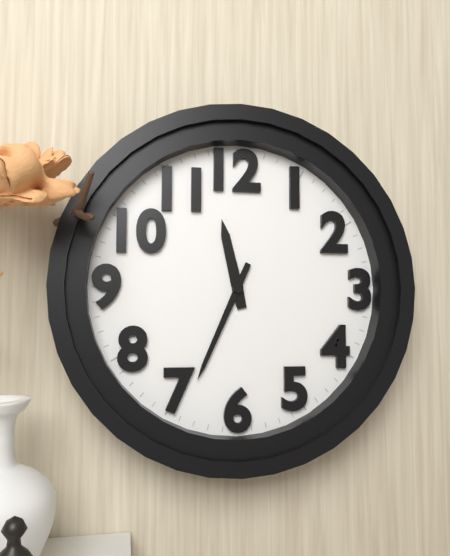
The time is **11:34**
